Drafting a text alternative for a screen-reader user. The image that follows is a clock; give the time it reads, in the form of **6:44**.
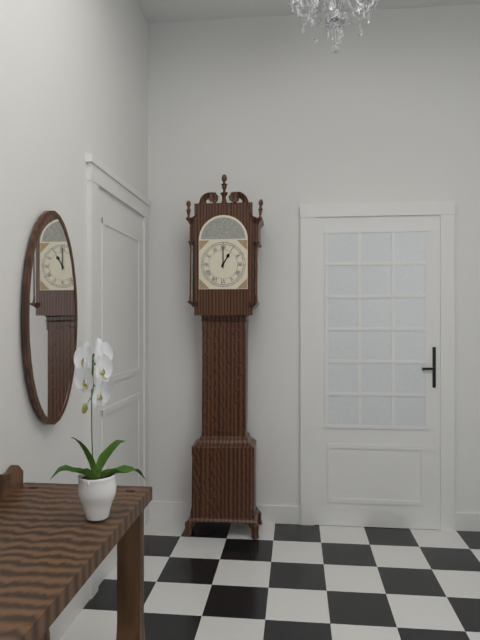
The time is **1:00**
